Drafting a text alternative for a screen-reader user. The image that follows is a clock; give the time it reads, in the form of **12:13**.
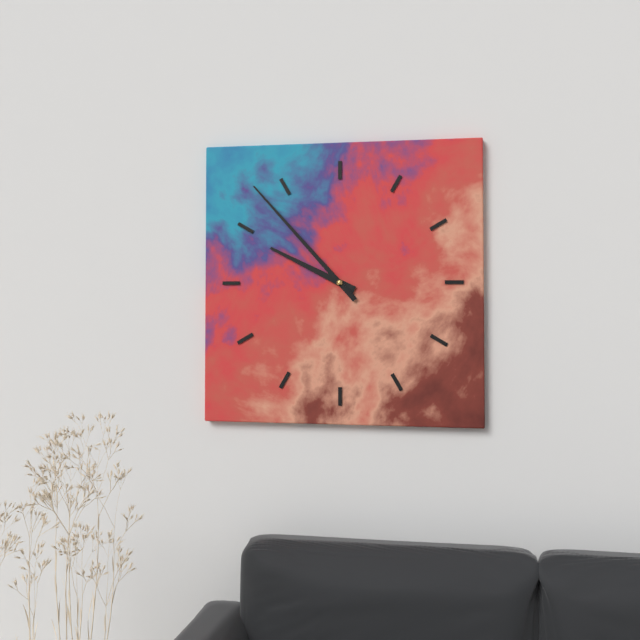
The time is **9:53**
